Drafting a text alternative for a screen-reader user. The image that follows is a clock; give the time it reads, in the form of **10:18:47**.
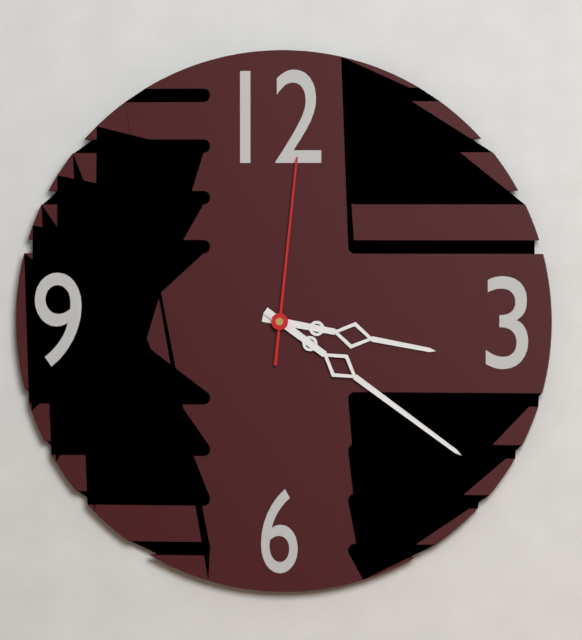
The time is **3:21:01**
